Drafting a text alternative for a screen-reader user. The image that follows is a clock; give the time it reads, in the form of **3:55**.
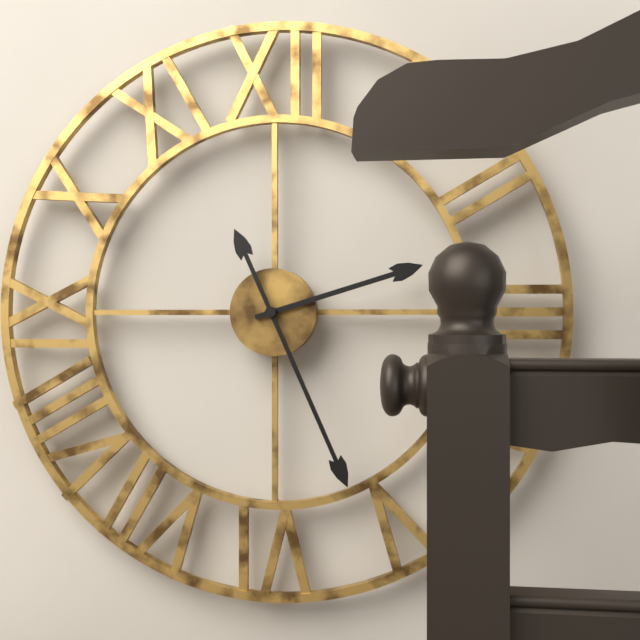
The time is **2:26**
